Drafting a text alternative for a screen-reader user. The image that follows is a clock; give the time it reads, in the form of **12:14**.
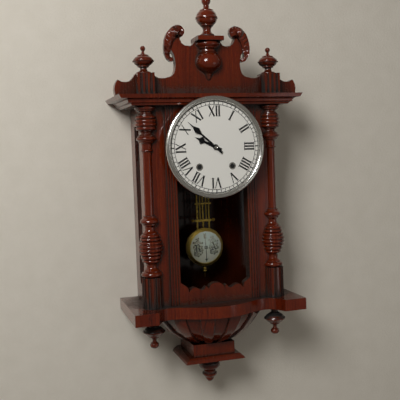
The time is **9:52**
